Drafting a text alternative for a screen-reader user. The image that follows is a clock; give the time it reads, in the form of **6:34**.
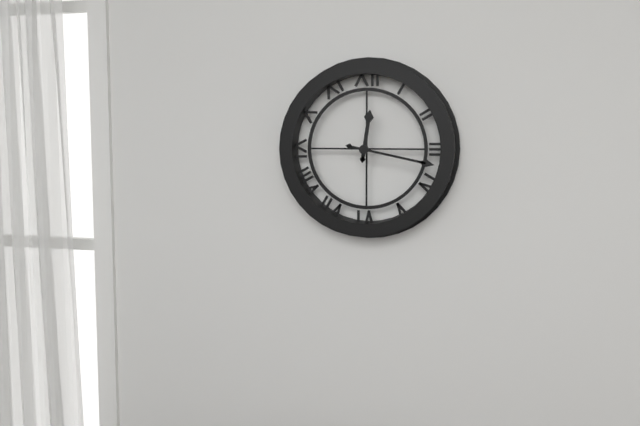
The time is **12:17**
